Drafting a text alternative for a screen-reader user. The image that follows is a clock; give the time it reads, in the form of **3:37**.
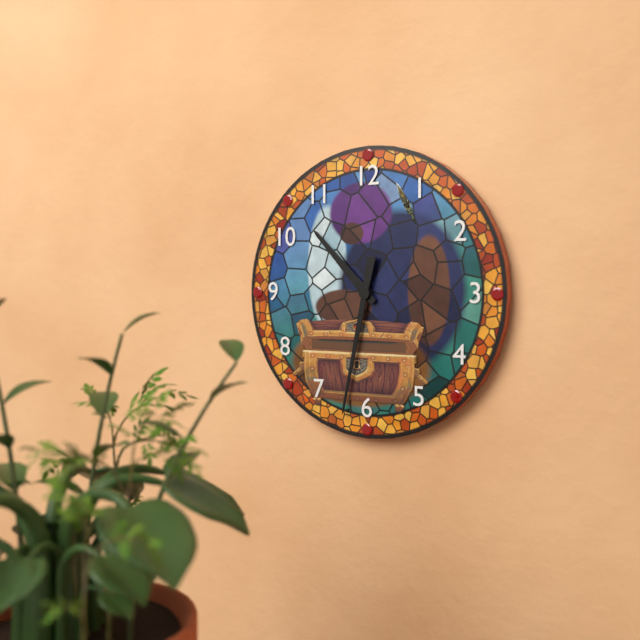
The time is **10:32**
